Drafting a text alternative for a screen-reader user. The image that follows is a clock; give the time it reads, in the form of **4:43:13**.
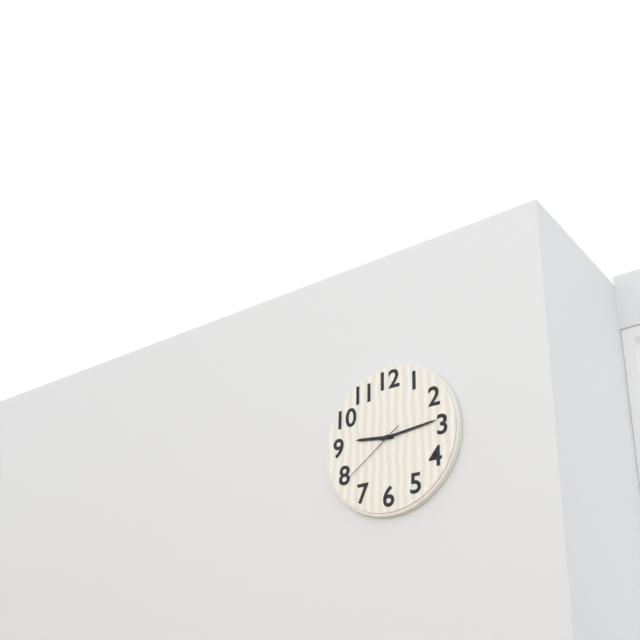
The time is **9:14:39**
